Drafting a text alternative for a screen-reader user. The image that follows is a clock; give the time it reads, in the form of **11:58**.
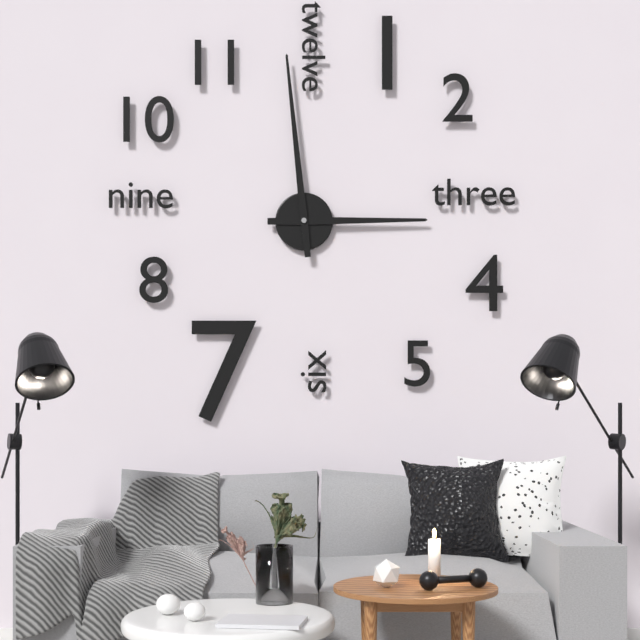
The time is **2:59**
